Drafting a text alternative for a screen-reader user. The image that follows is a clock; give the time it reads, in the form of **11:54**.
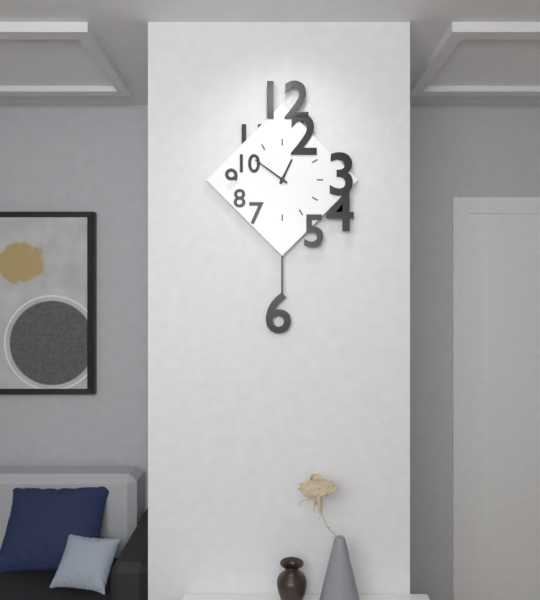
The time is **12:51**
